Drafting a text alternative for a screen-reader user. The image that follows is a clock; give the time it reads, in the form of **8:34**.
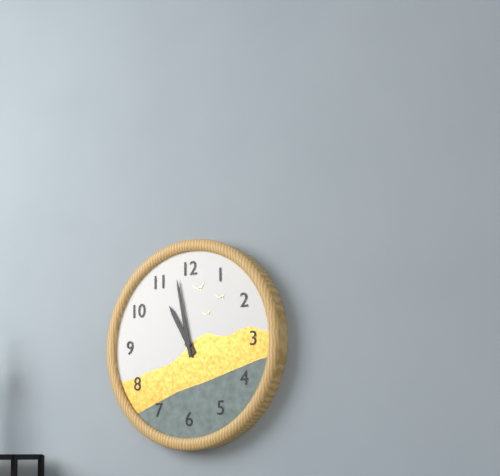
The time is **10:58**
